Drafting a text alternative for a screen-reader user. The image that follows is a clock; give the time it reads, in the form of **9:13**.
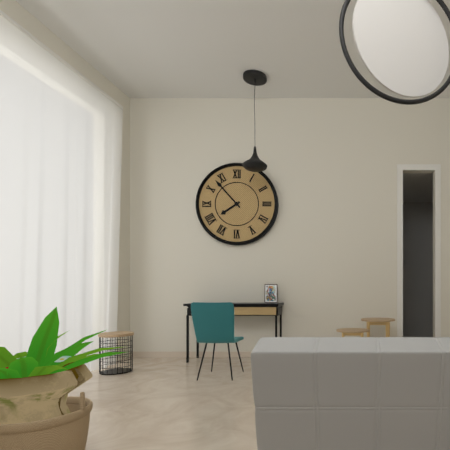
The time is **7:53**
